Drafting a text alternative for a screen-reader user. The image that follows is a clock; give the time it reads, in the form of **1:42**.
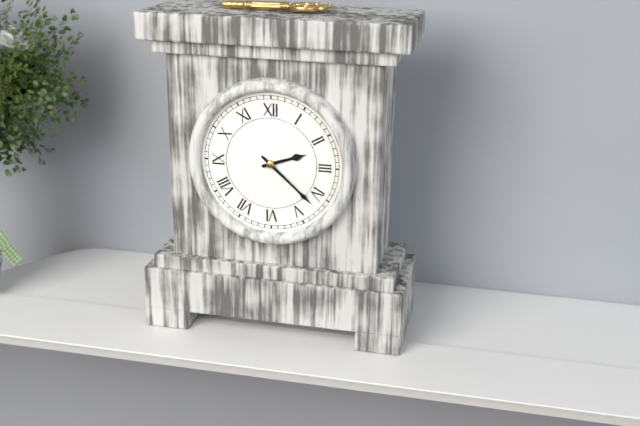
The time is **2:22**
